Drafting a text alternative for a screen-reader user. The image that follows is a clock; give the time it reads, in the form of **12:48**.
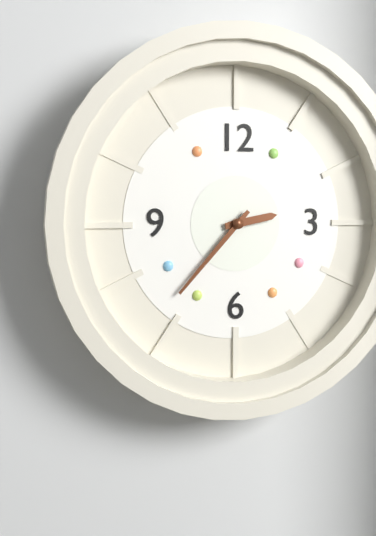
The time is **2:37**
